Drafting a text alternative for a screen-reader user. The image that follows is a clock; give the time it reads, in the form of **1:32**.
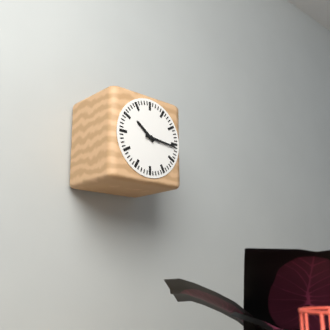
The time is **10:16**
